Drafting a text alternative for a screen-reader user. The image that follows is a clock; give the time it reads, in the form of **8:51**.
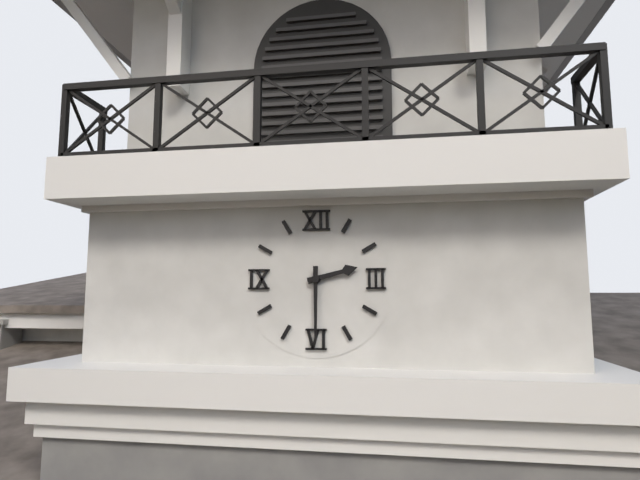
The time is **2:30**
